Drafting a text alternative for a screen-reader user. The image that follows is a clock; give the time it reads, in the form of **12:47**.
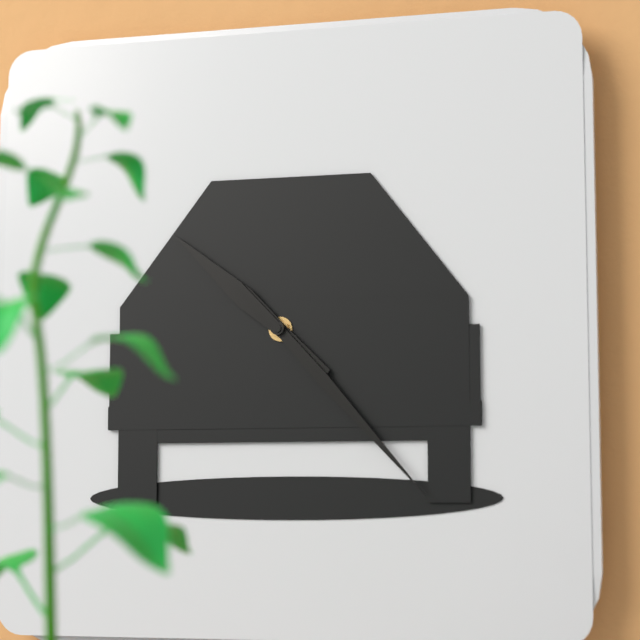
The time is **10:23**
